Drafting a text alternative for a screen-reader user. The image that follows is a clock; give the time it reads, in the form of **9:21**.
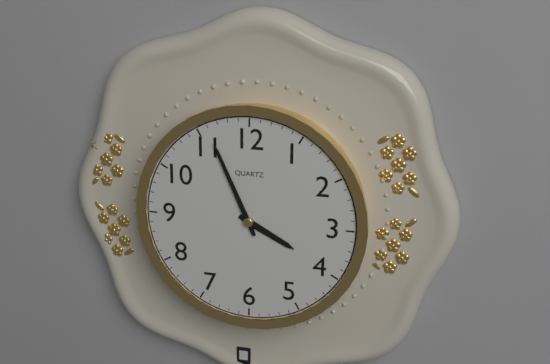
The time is **3:56**
